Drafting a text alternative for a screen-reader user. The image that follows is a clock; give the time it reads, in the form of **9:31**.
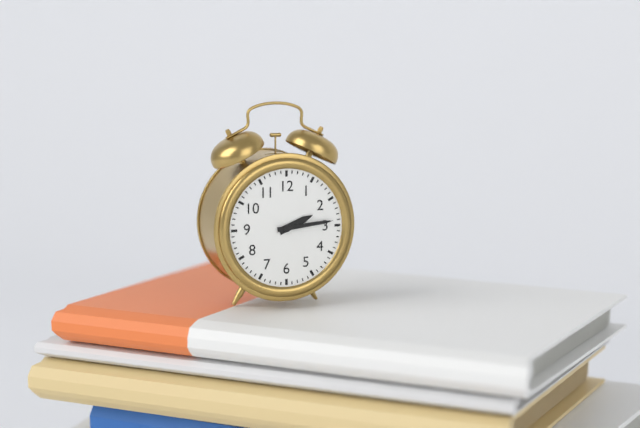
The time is **2:14**
